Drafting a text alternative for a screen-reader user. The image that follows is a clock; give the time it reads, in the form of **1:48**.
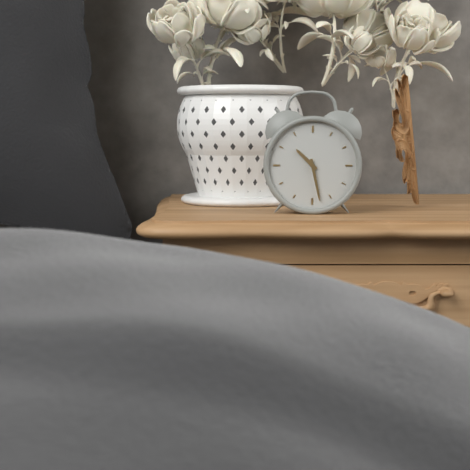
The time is **10:28**
